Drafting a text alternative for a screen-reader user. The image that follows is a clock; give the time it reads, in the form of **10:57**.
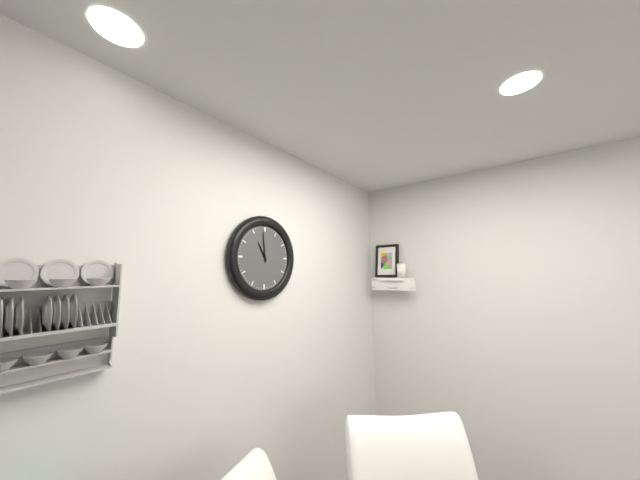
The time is **10:59**
